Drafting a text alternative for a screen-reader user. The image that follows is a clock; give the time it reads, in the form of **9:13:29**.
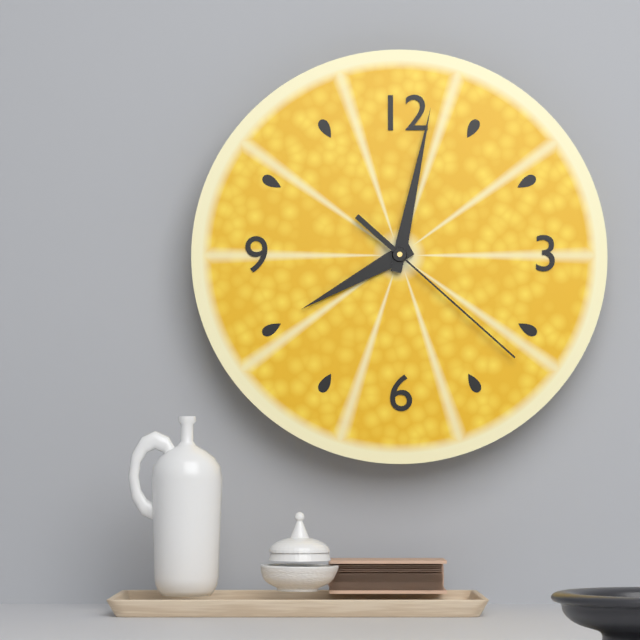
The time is **8:02:22**
